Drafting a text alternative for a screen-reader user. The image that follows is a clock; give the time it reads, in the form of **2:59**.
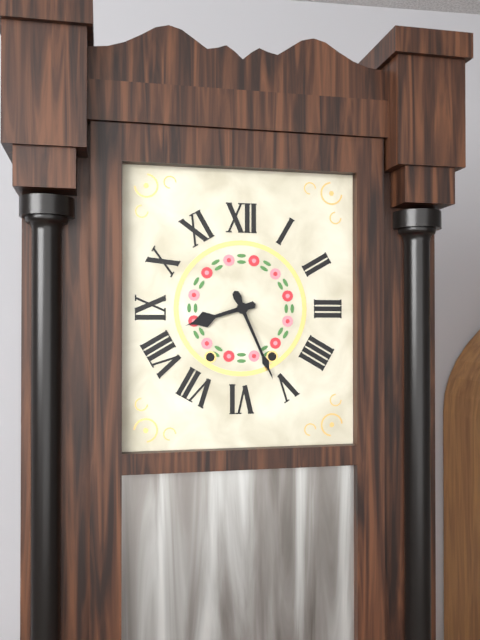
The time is **8:26**
